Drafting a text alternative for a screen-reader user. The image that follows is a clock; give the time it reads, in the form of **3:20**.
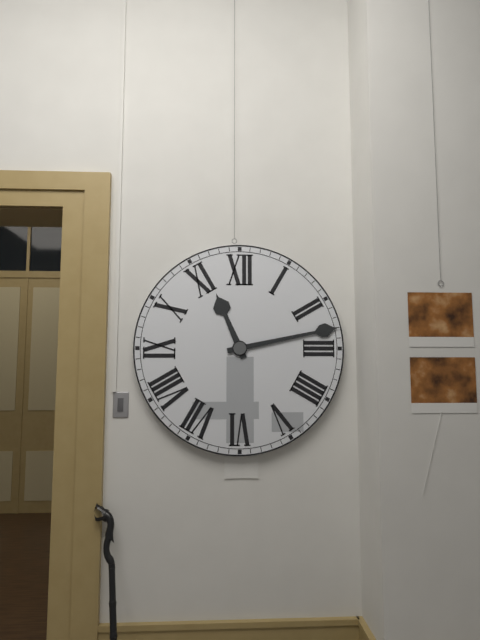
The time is **11:13**
